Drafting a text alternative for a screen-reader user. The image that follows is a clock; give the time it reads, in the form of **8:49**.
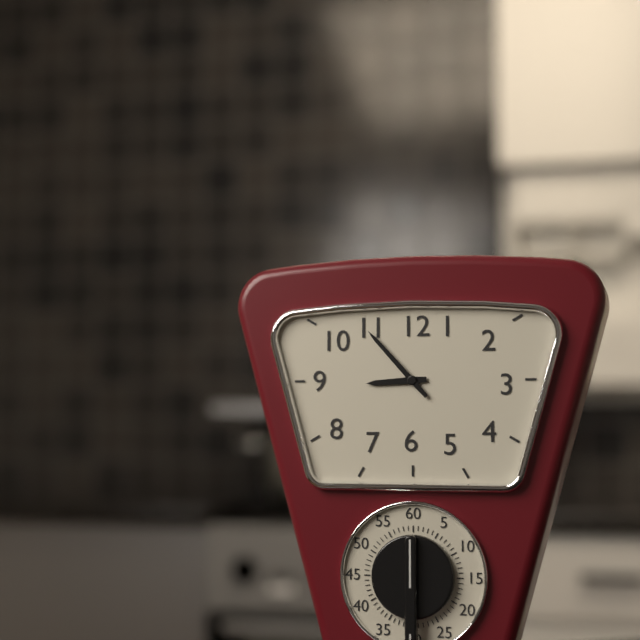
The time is **8:53**
